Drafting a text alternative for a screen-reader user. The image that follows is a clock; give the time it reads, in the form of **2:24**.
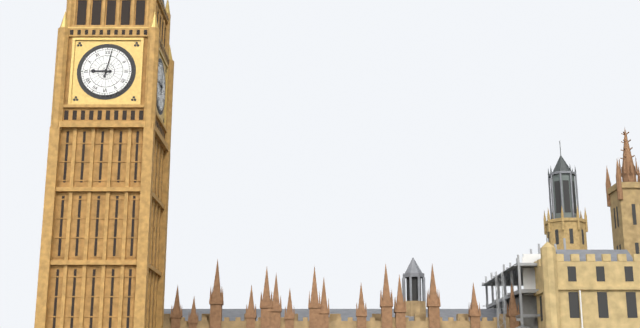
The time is **9:02**
